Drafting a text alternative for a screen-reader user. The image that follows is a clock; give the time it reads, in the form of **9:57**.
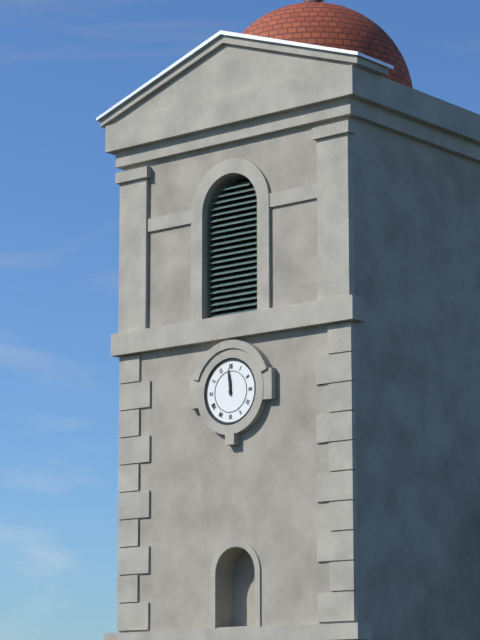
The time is **11:59**
